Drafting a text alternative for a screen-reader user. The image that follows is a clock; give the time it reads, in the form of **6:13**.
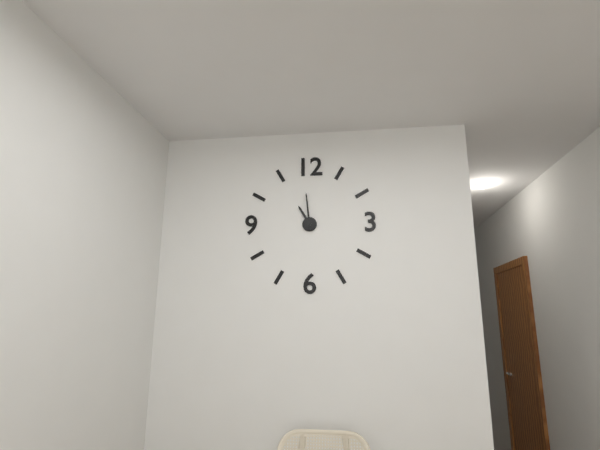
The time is **10:59**
